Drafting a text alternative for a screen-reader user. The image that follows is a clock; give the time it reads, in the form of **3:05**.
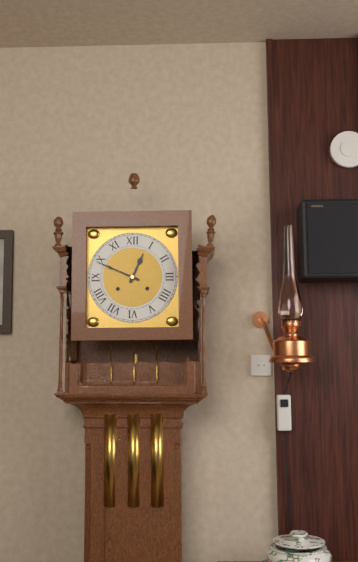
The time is **12:49**
